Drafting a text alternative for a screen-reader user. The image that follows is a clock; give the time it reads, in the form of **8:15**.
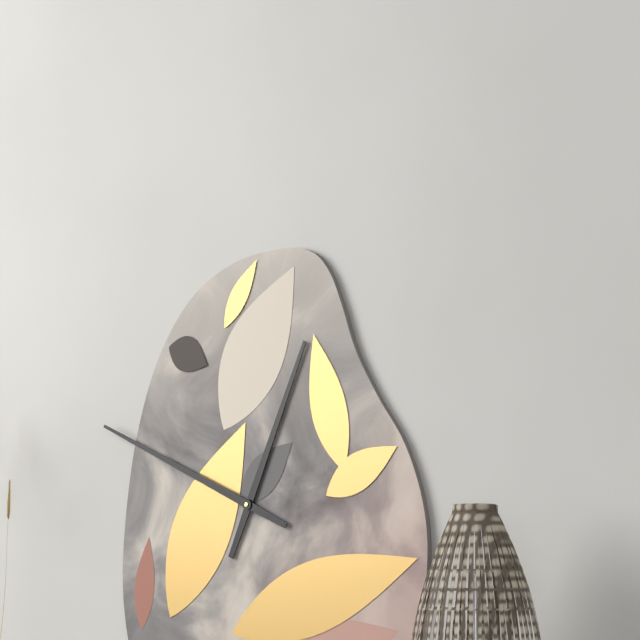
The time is **12:49**
